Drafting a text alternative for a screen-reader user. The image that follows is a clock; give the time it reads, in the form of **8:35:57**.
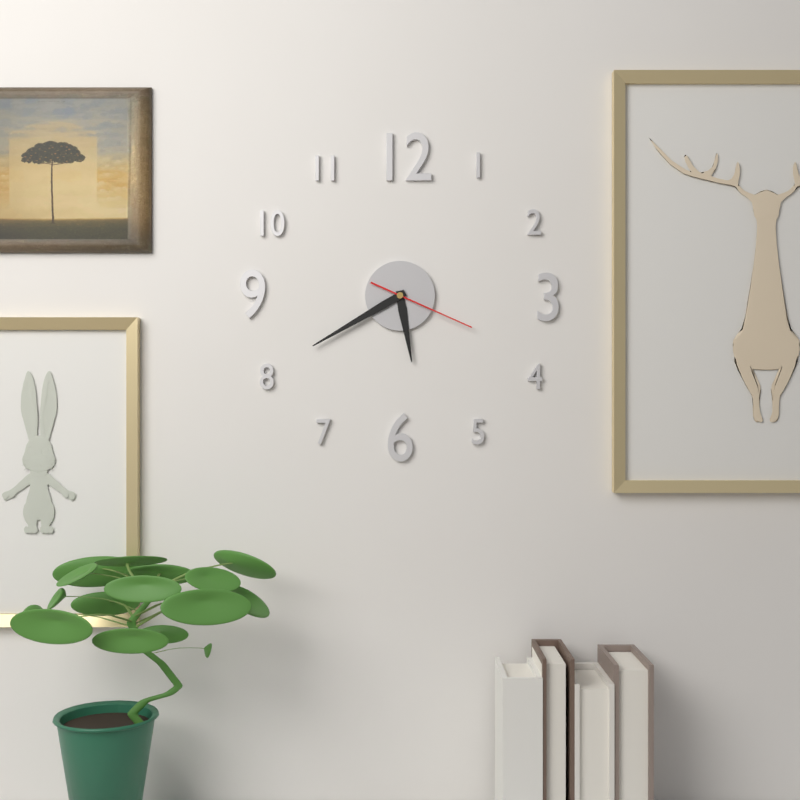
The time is **5:40:19**
